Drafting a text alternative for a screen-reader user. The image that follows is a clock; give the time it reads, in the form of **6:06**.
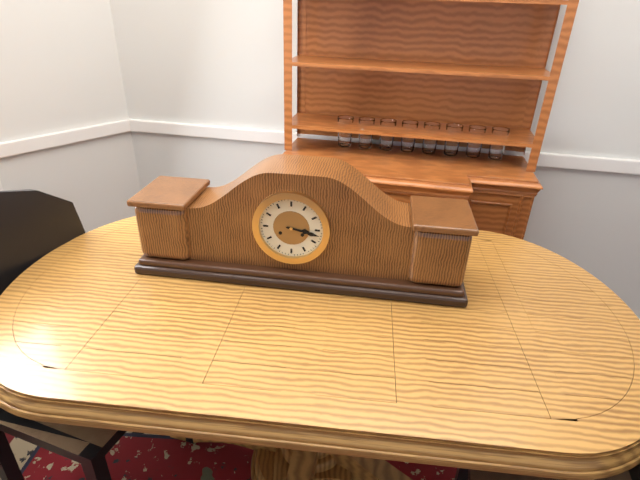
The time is **3:17**
